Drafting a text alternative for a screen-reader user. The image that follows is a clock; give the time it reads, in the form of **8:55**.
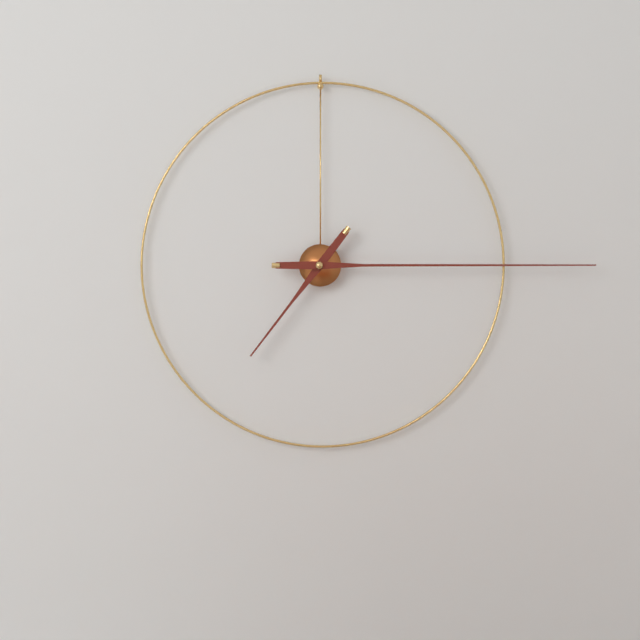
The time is **7:15**
